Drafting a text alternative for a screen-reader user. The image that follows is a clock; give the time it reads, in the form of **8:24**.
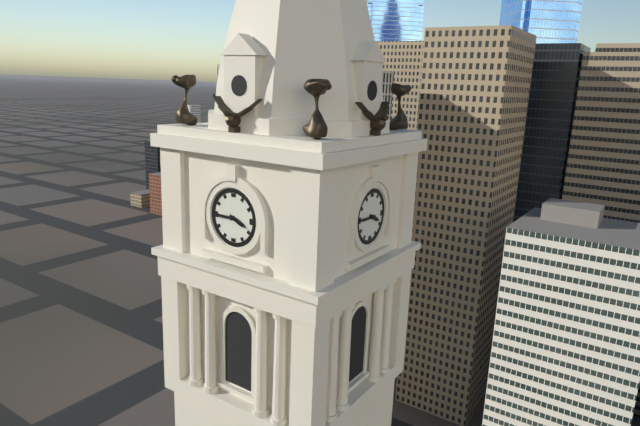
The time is **3:45**
